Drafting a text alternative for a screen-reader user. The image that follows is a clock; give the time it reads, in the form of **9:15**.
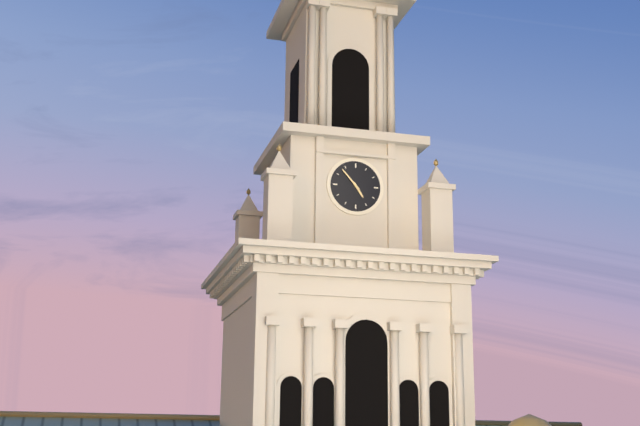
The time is **4:53**
